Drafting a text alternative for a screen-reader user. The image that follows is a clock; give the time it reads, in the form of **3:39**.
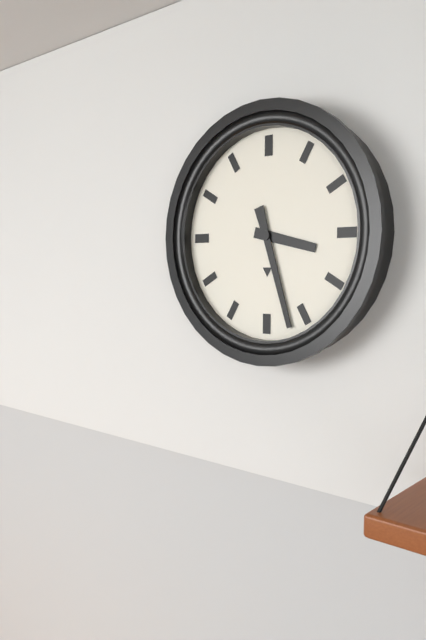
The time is **3:27**
